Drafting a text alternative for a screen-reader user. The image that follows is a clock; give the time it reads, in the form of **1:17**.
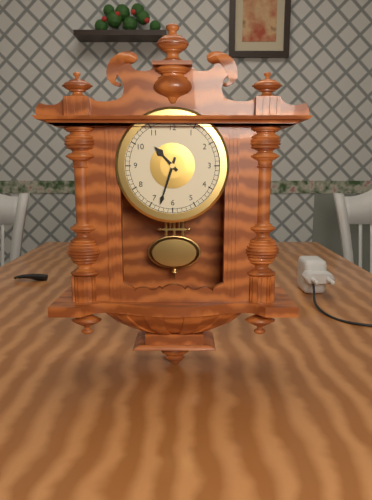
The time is **10:33**
